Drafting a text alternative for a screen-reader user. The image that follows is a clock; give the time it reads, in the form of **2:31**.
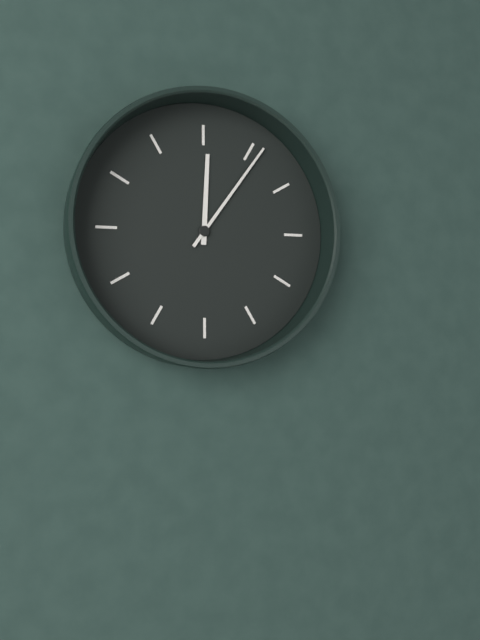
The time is **12:06**
